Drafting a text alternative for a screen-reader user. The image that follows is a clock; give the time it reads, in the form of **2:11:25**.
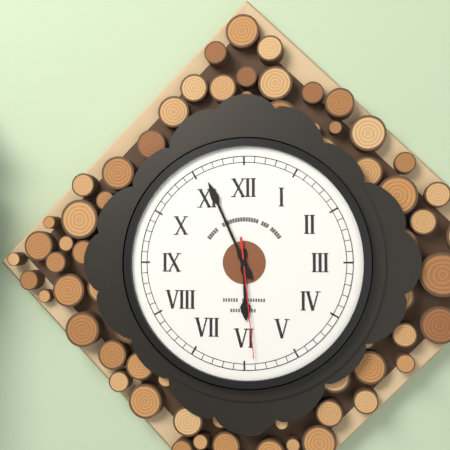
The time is **5:56:29**
